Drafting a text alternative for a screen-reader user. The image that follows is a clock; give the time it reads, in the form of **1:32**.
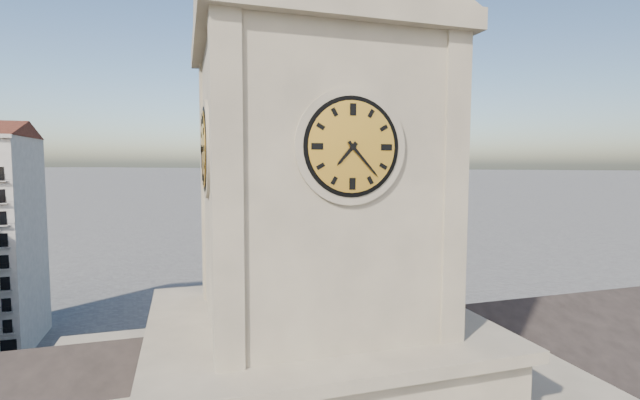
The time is **7:23**
